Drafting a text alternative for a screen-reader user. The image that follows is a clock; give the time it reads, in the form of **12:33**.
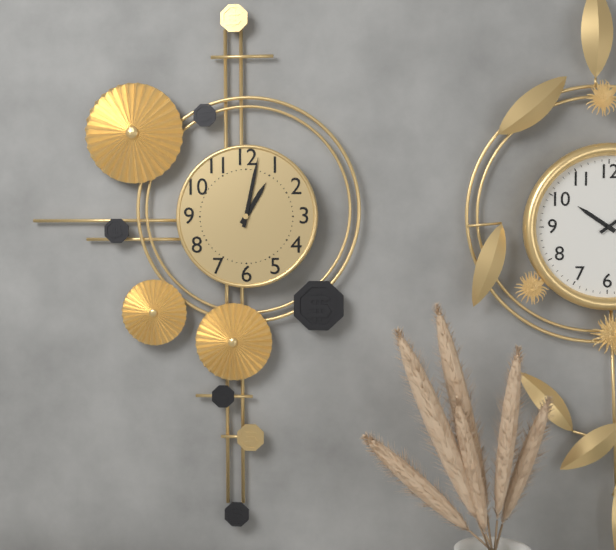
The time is **1:02**
